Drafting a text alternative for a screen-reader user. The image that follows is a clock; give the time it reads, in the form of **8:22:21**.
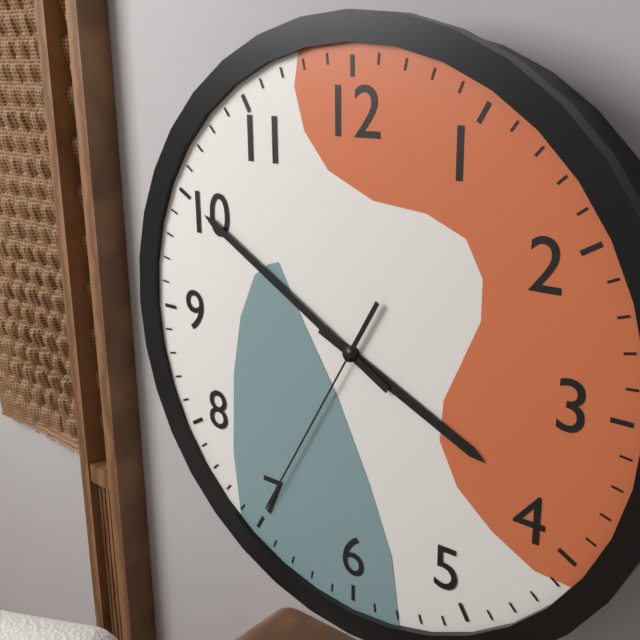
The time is **3:50:35**
